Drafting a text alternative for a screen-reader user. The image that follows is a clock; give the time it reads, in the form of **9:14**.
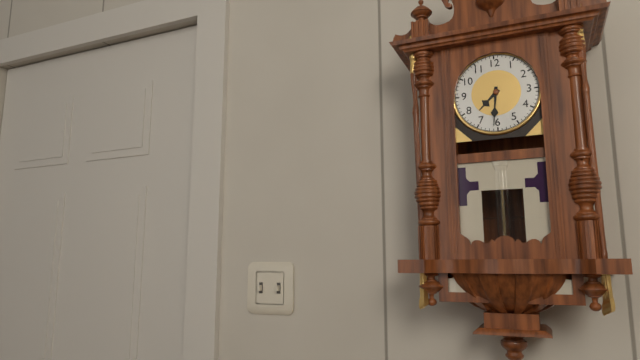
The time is **7:31**
